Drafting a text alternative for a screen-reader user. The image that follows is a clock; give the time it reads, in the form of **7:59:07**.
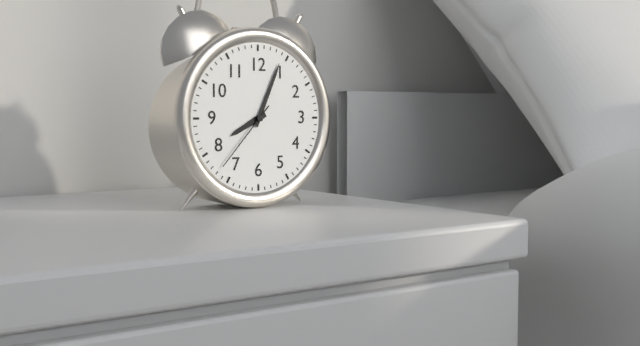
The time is **8:04:37**
